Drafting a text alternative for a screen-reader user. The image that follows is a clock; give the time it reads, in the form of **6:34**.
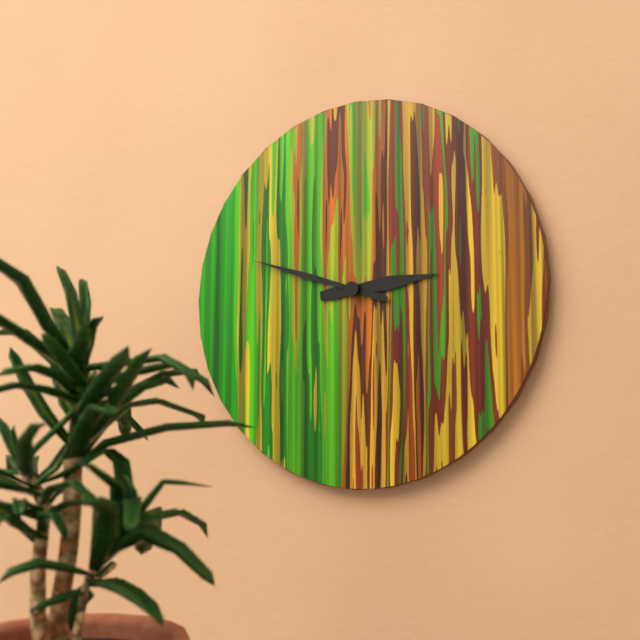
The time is **2:48**
